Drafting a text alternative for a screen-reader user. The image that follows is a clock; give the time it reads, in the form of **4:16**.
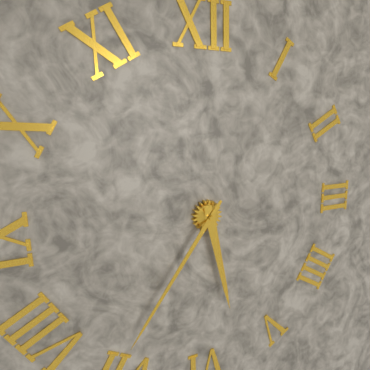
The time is **5:36**
